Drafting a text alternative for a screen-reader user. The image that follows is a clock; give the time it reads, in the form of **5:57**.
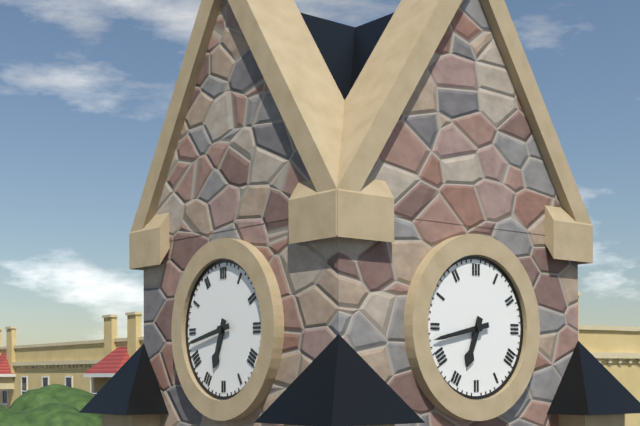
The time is **6:43**
